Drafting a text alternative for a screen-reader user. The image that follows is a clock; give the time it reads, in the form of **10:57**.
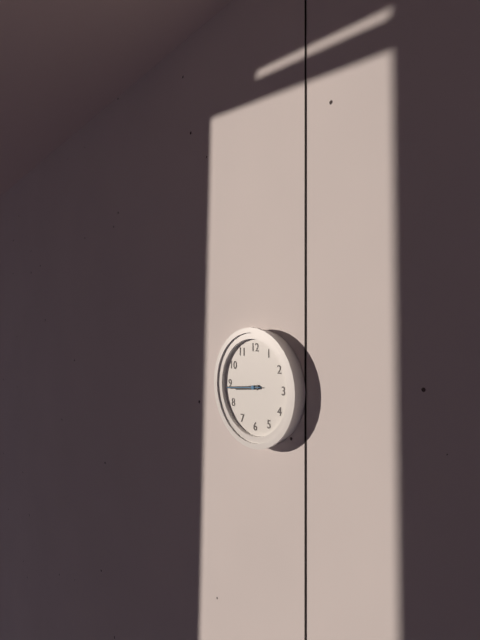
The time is **8:44**
